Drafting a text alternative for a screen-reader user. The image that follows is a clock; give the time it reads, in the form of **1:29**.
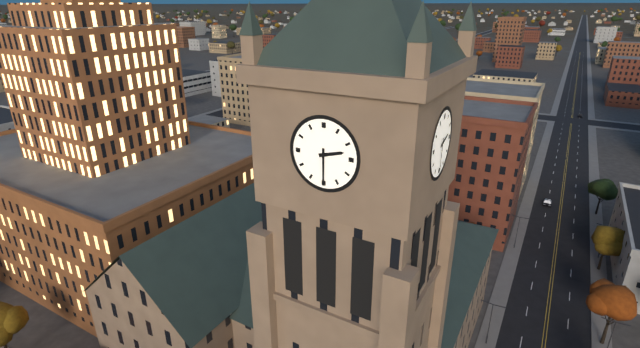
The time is **2:30**
